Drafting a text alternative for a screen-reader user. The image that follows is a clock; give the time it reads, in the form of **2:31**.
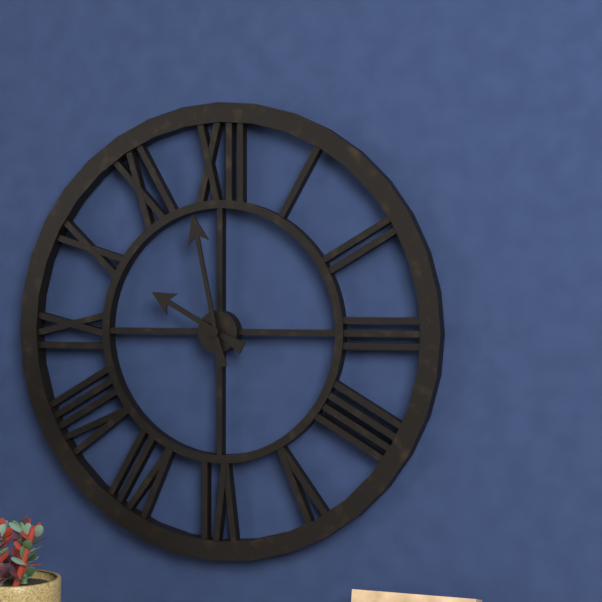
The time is **9:58**
